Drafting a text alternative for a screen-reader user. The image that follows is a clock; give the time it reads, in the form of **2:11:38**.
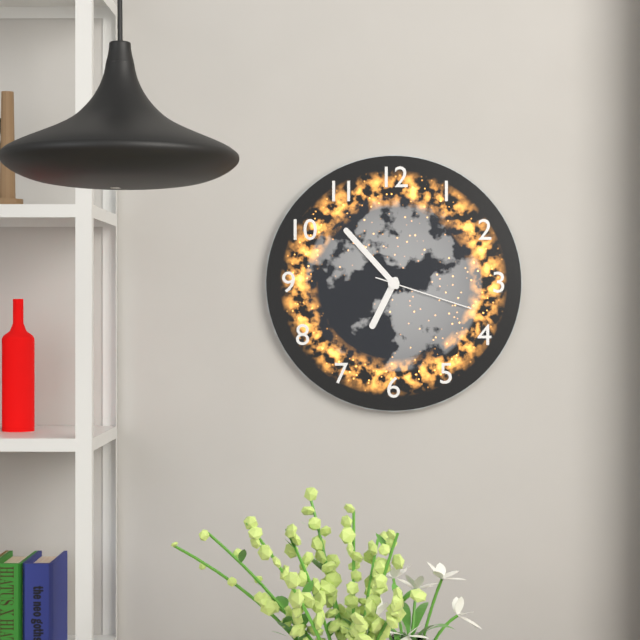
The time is **6:53:18**
